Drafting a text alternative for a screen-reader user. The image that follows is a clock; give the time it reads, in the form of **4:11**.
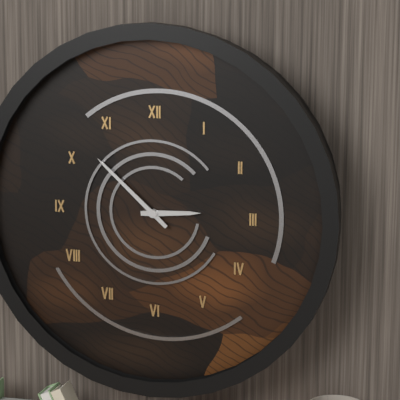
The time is **2:52**
